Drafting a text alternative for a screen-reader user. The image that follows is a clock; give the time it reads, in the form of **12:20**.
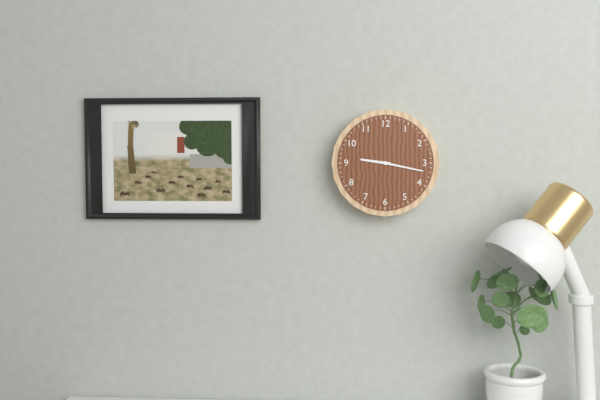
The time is **9:17**
